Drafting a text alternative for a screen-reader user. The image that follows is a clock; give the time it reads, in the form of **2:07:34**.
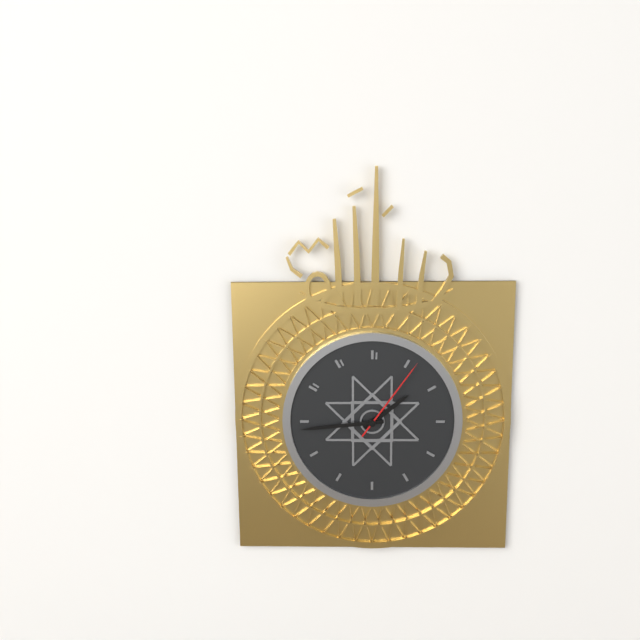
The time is **1:44:06**
